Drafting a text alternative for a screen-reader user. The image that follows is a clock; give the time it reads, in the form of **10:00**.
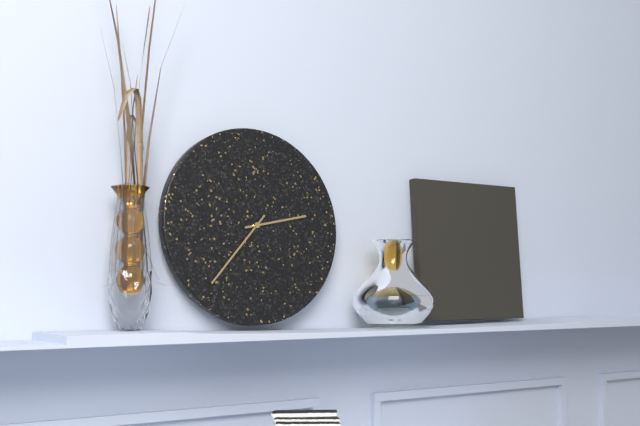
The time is **2:37**
